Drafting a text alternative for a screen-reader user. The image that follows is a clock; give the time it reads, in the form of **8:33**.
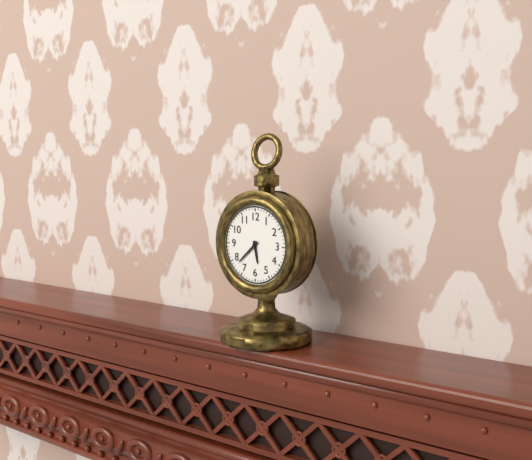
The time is **5:38**
